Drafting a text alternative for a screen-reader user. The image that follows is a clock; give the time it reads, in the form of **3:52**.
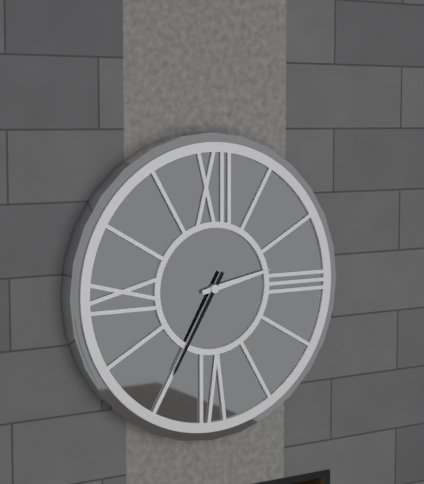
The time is **2:35**
